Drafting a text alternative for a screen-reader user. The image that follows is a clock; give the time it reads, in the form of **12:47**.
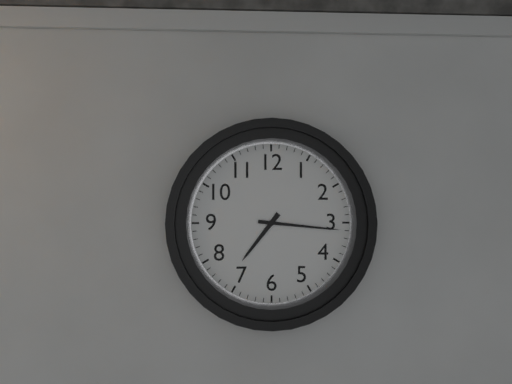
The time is **7:16**
